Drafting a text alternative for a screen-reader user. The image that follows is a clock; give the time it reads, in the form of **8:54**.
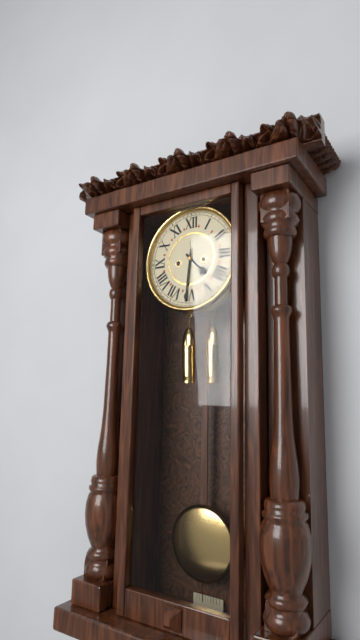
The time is **4:31**
